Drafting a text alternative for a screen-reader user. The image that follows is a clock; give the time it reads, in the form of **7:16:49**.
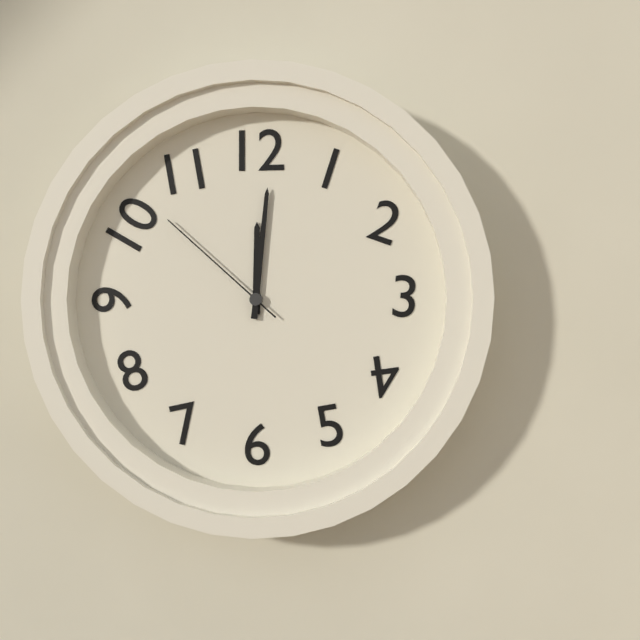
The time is **12:01:52**
